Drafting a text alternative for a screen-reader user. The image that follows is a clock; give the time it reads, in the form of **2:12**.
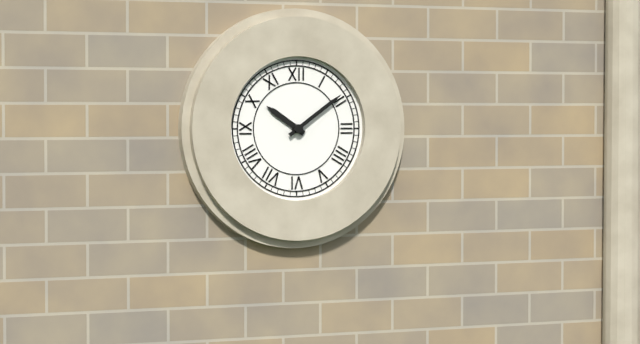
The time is **10:09**
